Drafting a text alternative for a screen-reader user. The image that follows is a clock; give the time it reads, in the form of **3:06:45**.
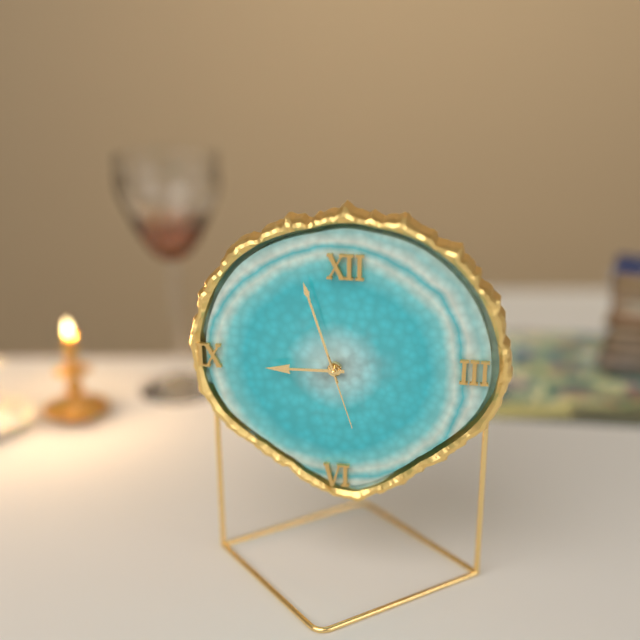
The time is **8:57:27**
